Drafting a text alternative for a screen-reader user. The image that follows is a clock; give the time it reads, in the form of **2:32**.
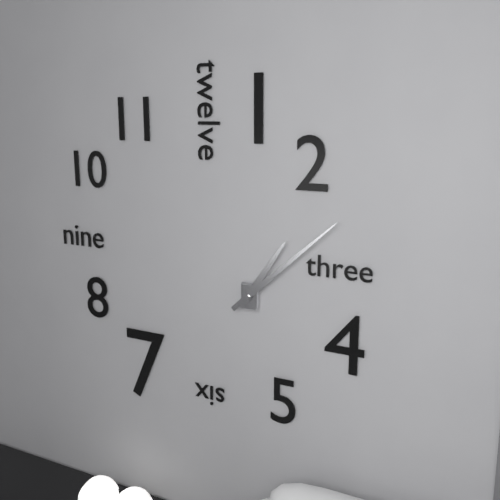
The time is **1:08**
